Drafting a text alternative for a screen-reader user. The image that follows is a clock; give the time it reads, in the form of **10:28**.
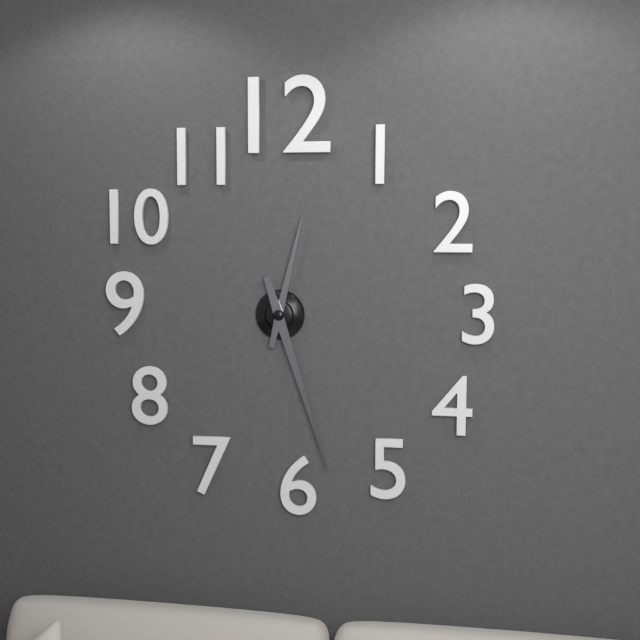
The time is **12:27**
